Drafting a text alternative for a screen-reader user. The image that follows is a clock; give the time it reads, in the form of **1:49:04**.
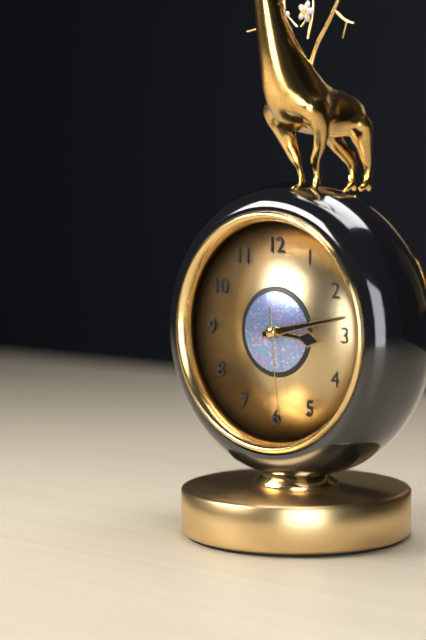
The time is **3:13:29**
